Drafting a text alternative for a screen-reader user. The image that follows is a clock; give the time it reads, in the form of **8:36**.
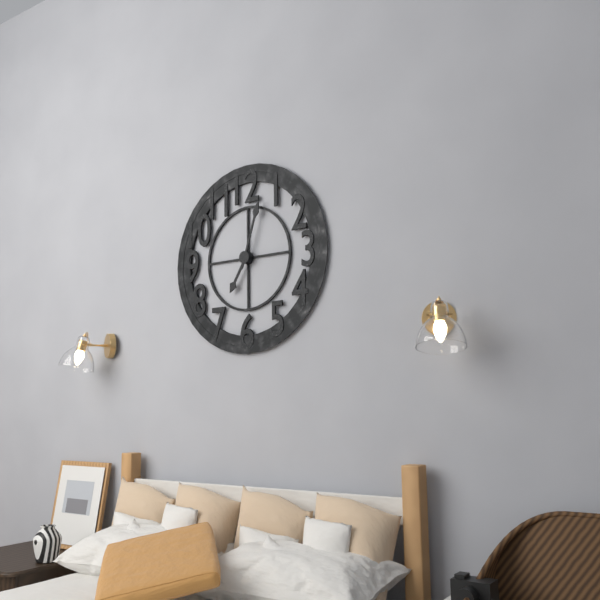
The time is **7:03**
